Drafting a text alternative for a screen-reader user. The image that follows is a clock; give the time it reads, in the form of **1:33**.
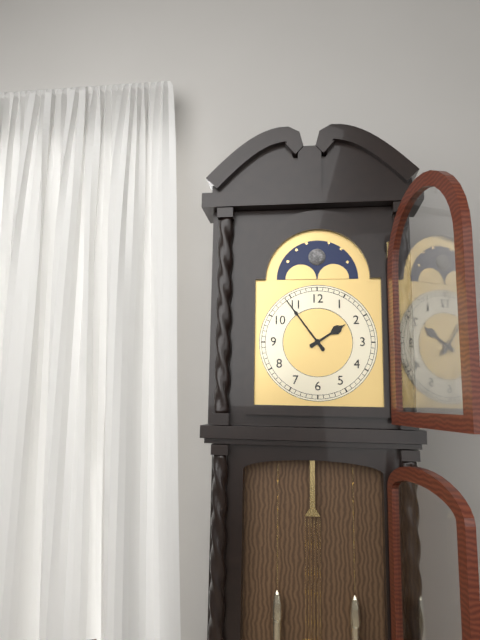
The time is **1:54**
